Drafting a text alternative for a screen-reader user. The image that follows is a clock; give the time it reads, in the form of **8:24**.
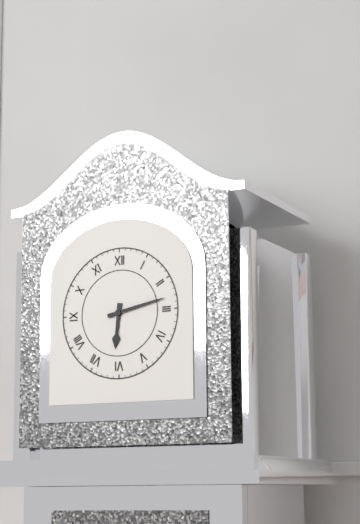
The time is **6:13**
